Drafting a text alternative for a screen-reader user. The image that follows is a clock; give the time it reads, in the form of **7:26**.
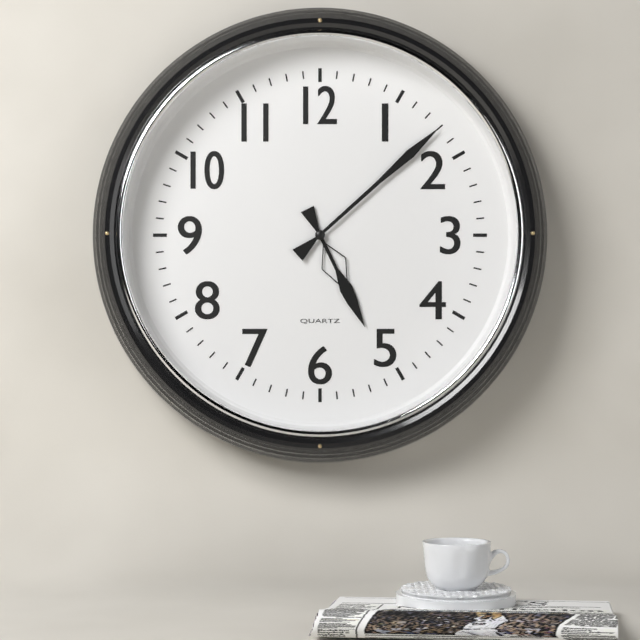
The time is **5:08**
